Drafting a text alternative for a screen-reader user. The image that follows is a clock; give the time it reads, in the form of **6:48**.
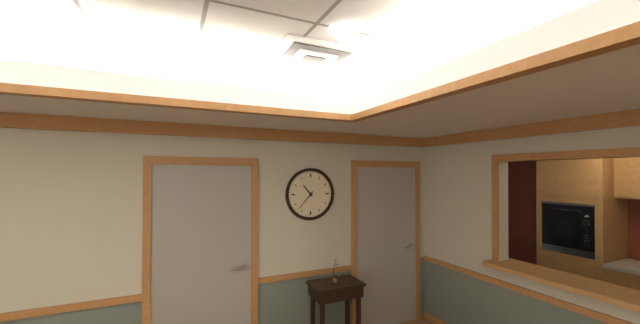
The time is **10:37**
